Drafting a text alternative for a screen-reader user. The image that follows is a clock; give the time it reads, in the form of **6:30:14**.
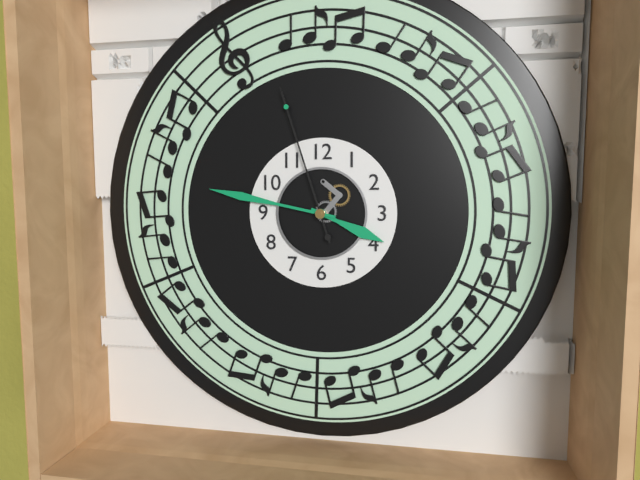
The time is **3:47:57**
